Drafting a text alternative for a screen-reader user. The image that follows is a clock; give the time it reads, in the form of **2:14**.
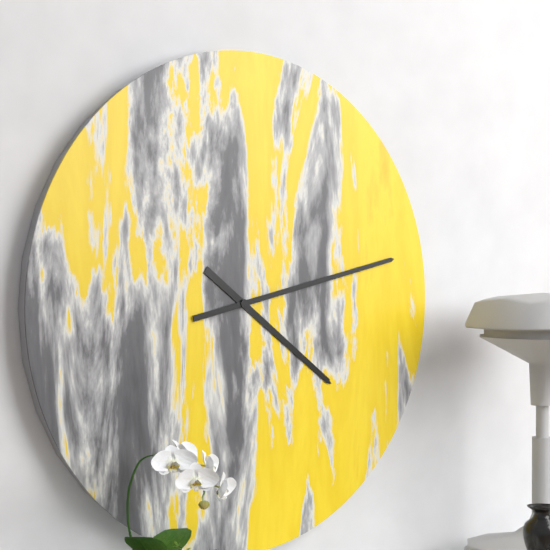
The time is **4:13**
